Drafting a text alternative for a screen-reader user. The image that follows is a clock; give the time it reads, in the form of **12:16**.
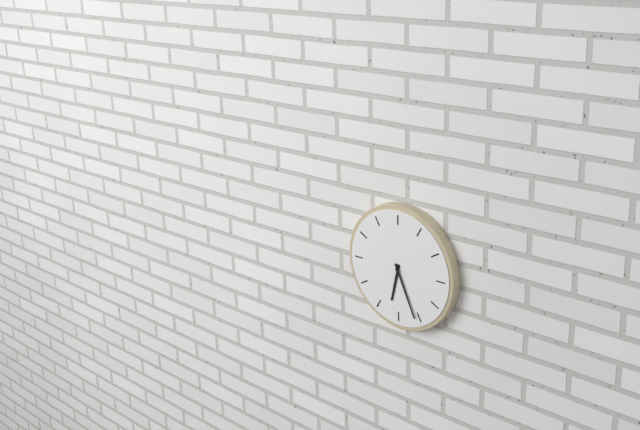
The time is **6:26**
